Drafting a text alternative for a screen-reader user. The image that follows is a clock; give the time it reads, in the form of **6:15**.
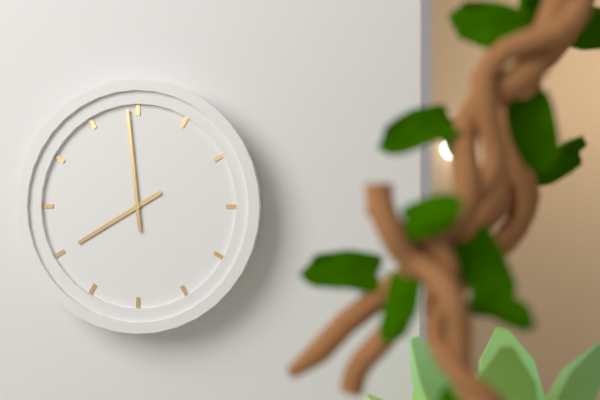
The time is **7:59**
